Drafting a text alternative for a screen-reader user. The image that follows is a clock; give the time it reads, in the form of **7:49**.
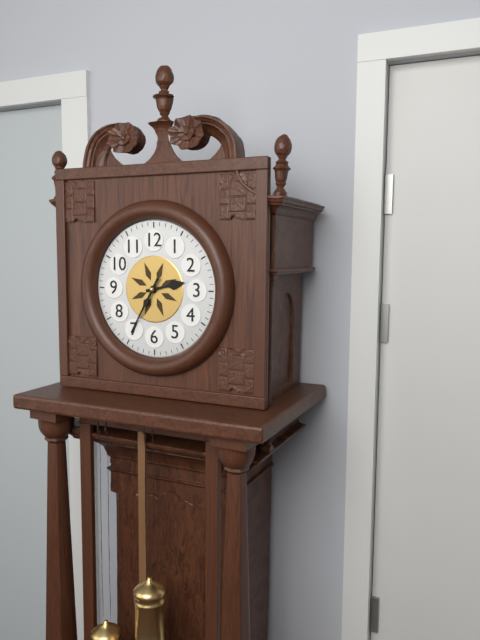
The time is **2:35**
